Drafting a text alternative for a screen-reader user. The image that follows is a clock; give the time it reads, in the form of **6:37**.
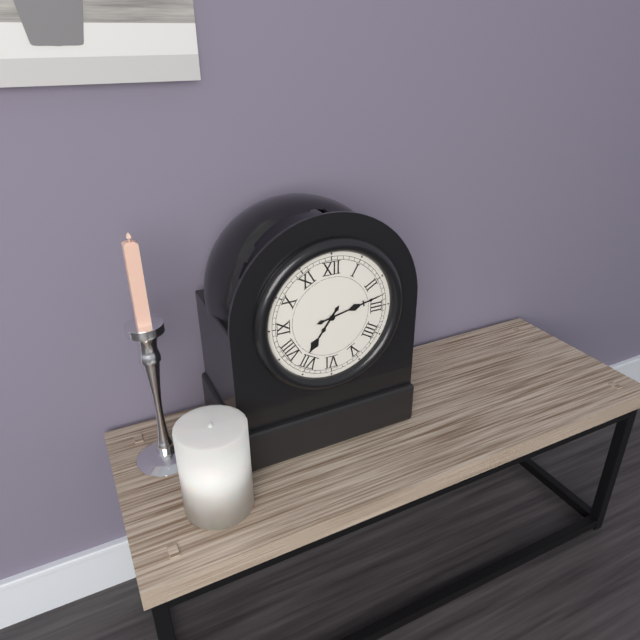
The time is **7:13**
